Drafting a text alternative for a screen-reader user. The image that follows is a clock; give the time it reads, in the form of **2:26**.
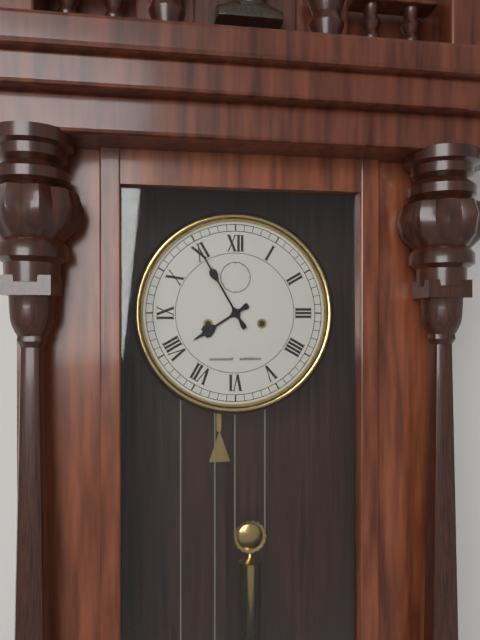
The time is **7:55**
